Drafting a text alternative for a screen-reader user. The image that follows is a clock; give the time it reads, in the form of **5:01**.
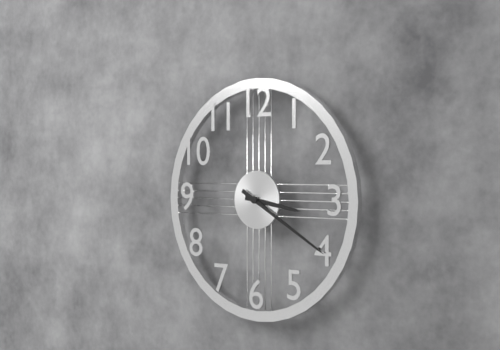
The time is **3:20**
